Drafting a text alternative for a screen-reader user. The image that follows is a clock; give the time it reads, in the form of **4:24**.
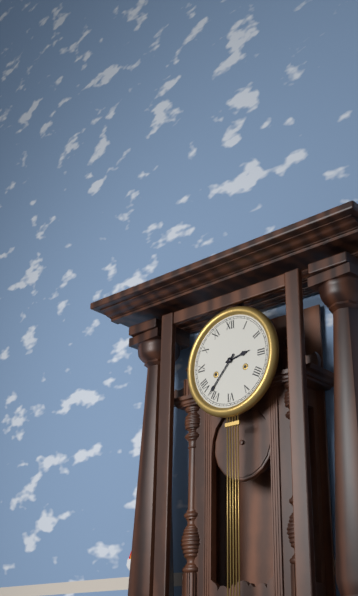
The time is **2:37**
